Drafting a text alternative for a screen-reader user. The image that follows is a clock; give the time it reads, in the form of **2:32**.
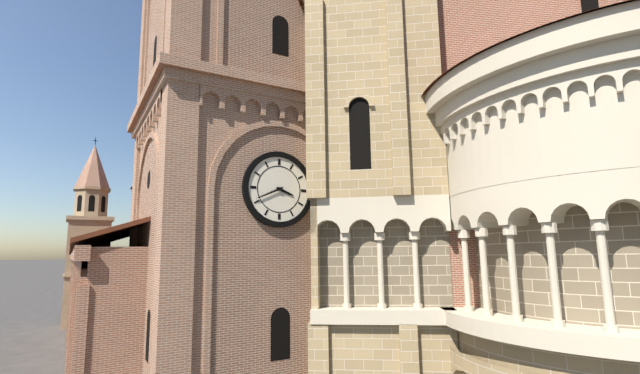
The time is **3:41**
